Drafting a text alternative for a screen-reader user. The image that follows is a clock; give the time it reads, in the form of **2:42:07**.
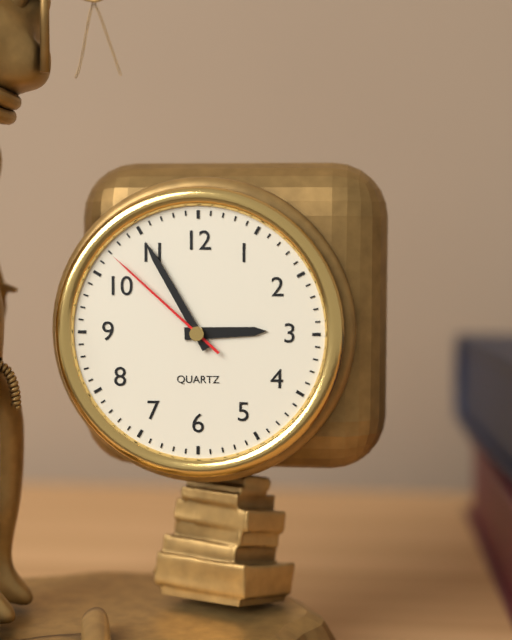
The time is **2:55:52**
